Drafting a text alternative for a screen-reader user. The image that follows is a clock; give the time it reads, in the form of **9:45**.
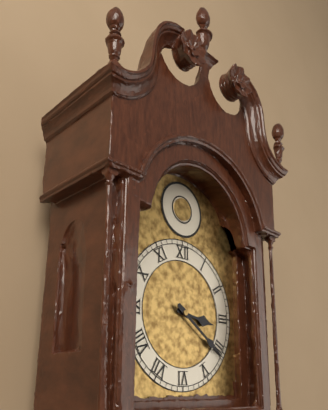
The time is **3:21**
